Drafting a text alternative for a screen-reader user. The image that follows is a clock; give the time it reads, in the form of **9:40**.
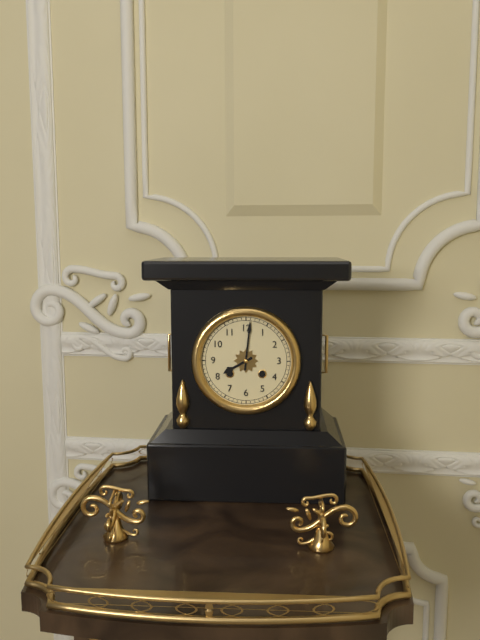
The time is **8:01**
